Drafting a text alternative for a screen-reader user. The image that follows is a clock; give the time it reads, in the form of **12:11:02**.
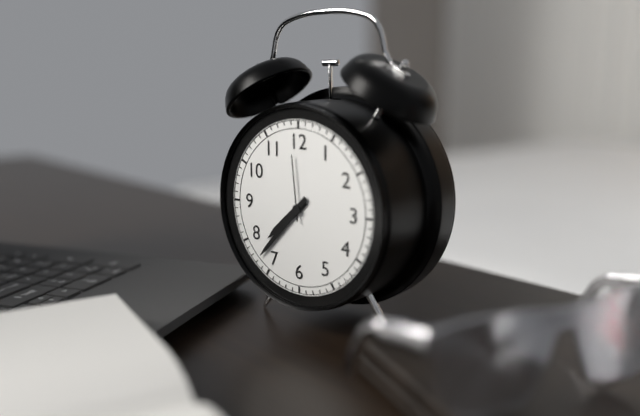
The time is **7:37:59**
